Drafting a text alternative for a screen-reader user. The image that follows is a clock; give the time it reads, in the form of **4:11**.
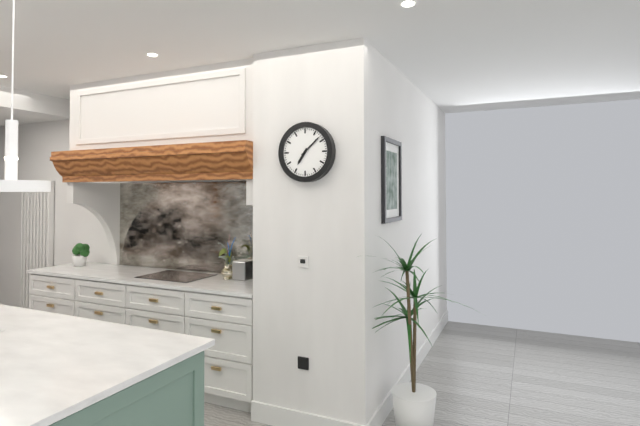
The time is **7:08**
